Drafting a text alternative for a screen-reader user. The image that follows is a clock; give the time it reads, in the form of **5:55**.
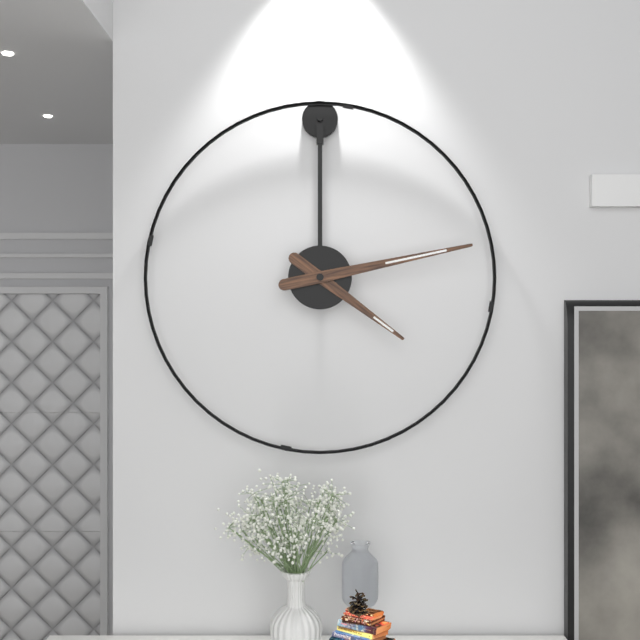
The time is **4:13**
